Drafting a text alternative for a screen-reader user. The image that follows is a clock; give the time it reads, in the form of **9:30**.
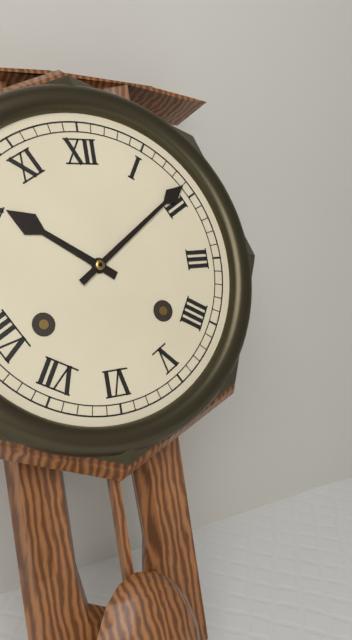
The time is **10:09**
